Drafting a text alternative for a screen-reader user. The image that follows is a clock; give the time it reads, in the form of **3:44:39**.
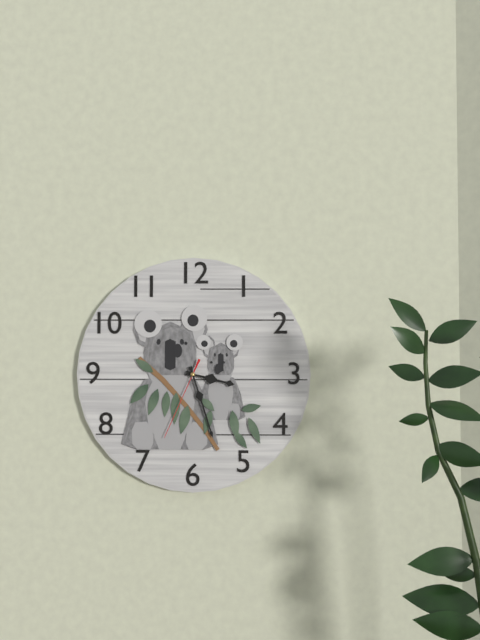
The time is **3:27:34**
